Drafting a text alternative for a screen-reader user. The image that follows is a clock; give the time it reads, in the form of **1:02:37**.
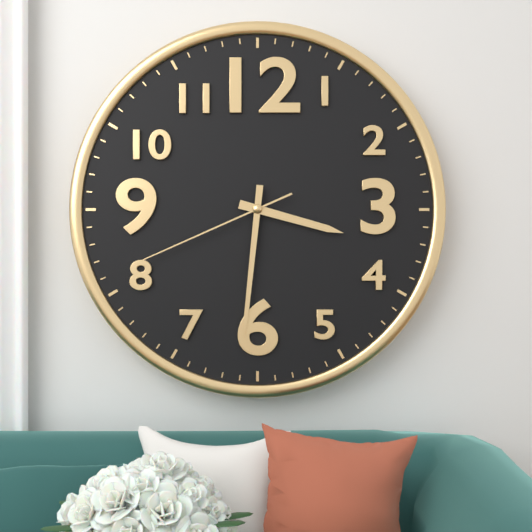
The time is **3:31:41**
